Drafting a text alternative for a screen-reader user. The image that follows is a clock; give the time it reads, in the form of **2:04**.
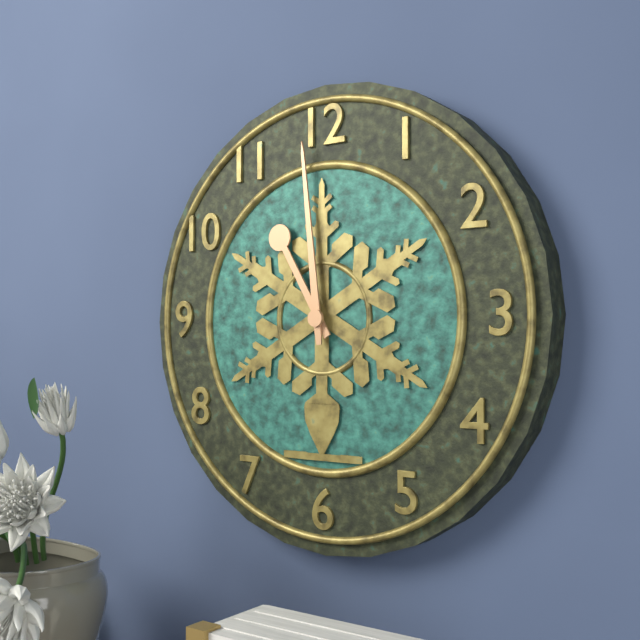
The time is **10:59**
